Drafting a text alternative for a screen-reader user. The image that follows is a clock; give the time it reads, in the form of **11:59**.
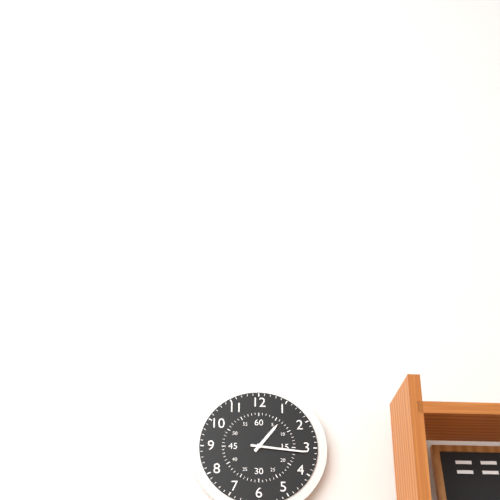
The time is **1:16**
